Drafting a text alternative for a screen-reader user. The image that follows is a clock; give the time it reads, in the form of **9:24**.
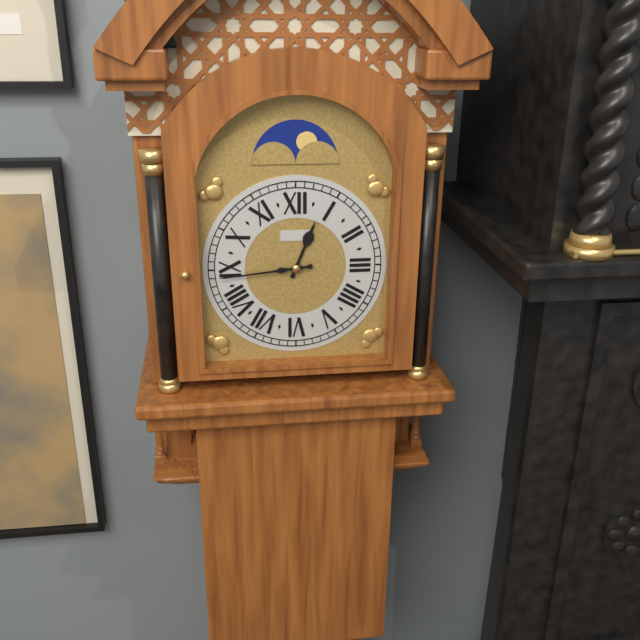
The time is **12:44**
